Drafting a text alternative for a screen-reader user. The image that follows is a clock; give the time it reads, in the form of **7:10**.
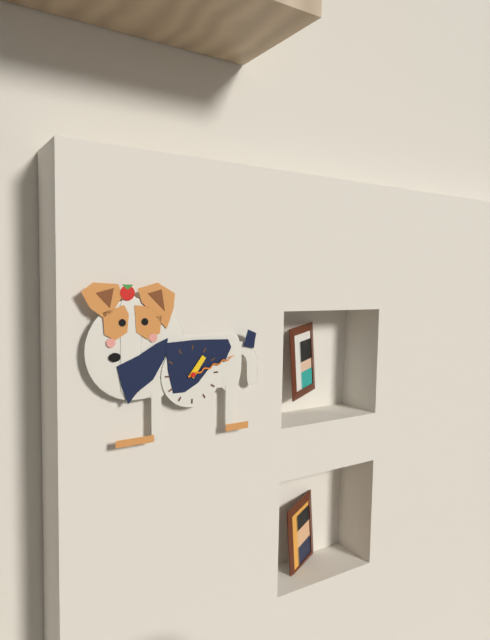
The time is **1:12**
